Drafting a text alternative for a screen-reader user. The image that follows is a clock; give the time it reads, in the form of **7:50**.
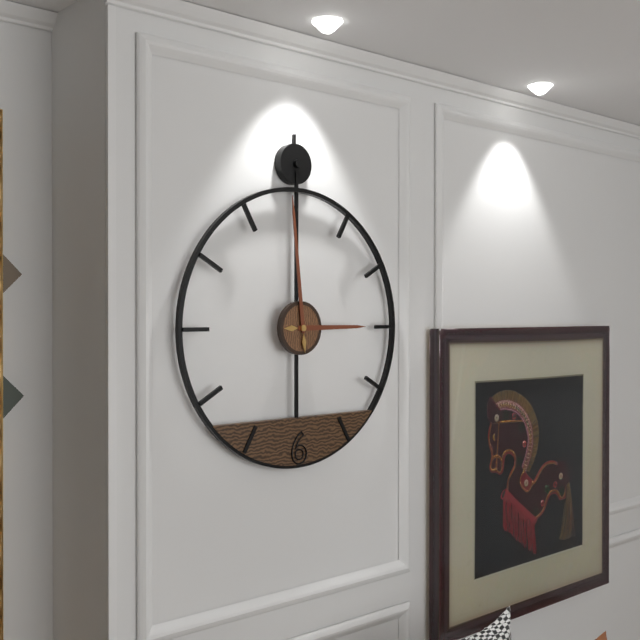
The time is **2:59**
